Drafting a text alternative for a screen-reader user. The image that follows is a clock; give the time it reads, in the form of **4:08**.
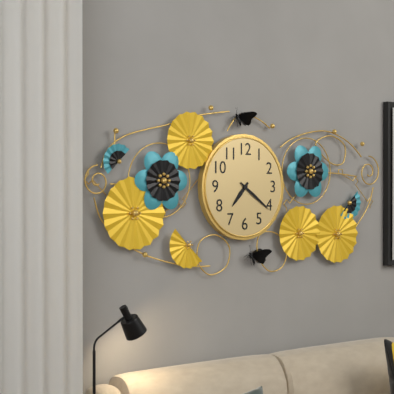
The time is **7:21**
